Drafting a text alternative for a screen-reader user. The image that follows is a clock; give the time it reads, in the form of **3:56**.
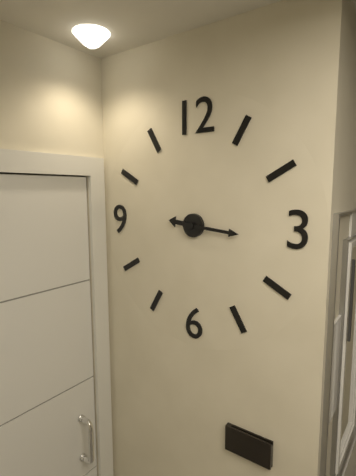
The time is **9:16**
